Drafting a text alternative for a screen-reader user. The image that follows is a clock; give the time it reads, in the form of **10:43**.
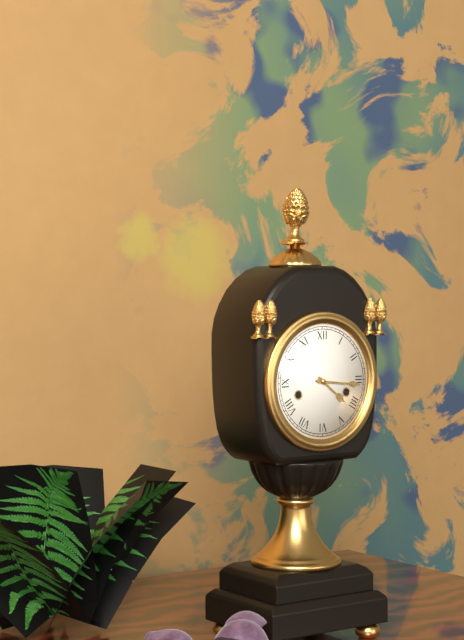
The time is **4:16**
